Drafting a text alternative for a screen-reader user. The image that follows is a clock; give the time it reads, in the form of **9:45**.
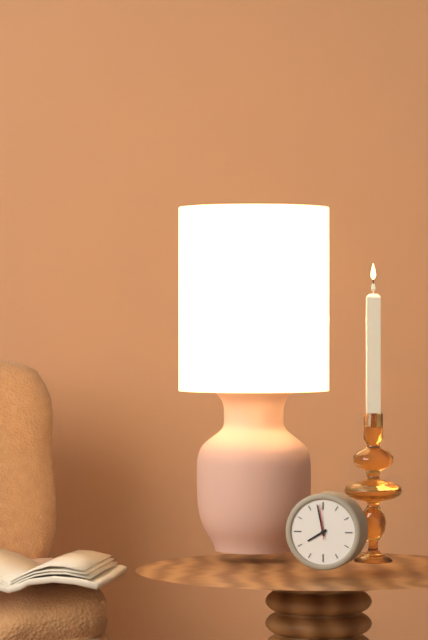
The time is **7:58**
